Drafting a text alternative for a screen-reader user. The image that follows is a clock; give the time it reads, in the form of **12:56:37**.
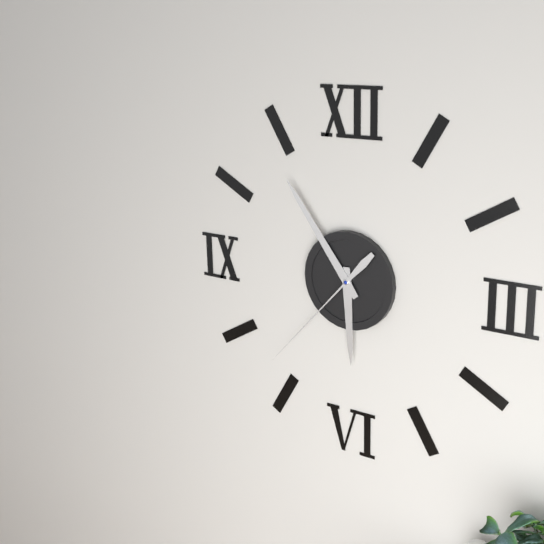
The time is **5:54:37**
